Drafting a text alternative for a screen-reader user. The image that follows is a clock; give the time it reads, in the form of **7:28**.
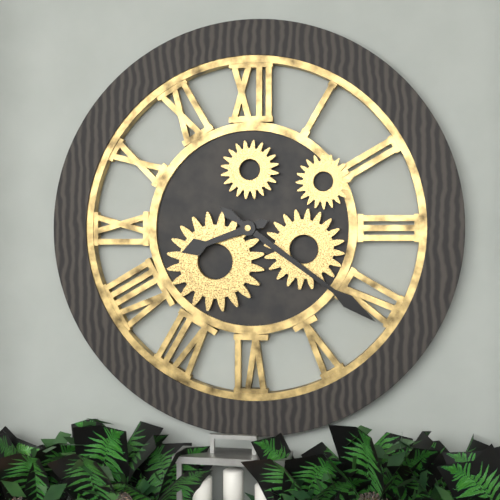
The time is **8:21**
